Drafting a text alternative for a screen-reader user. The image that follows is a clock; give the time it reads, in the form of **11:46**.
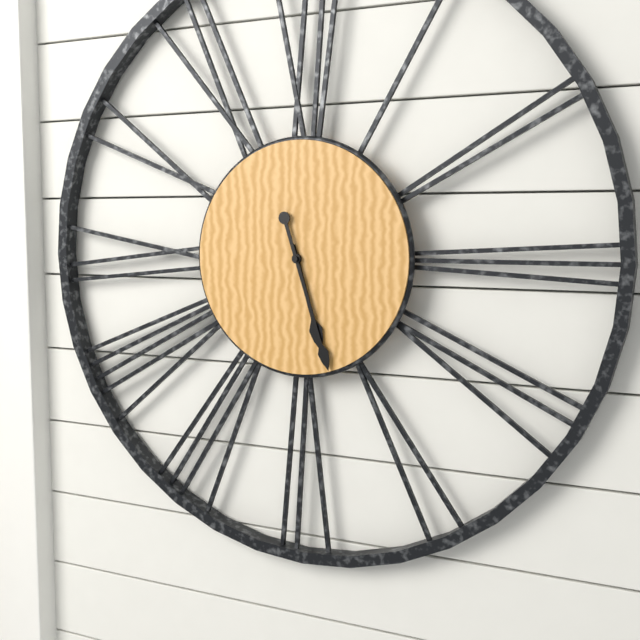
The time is **5:27**
